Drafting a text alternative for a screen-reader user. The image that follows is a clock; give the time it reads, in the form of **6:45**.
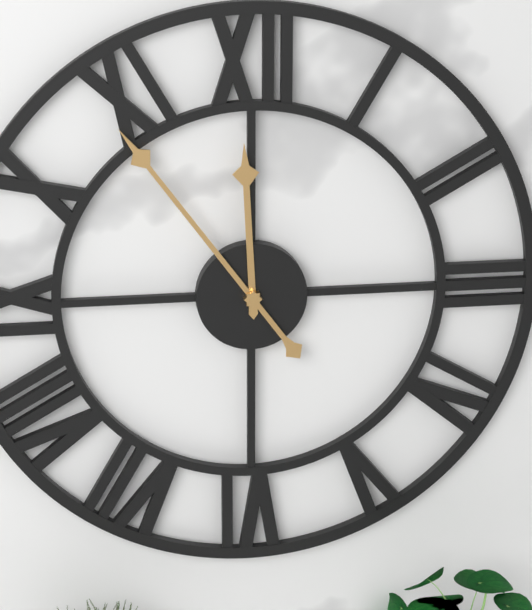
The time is **11:54**
